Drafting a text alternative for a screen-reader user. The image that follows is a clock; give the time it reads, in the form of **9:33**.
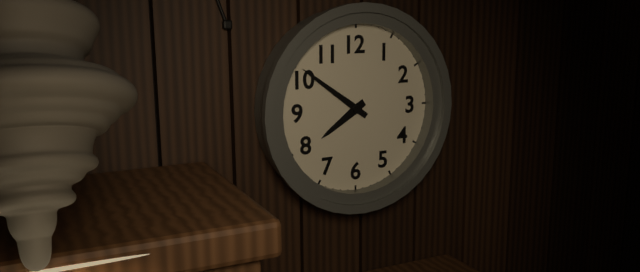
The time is **7:51**
